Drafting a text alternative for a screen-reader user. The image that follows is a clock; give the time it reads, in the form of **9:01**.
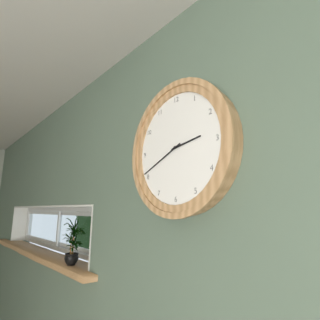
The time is **2:41**
